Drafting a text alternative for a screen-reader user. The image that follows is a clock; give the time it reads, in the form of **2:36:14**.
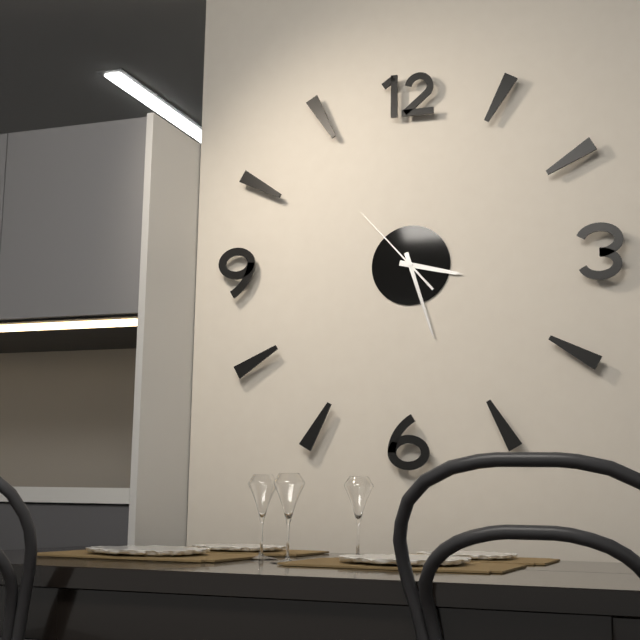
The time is **3:27:53**
